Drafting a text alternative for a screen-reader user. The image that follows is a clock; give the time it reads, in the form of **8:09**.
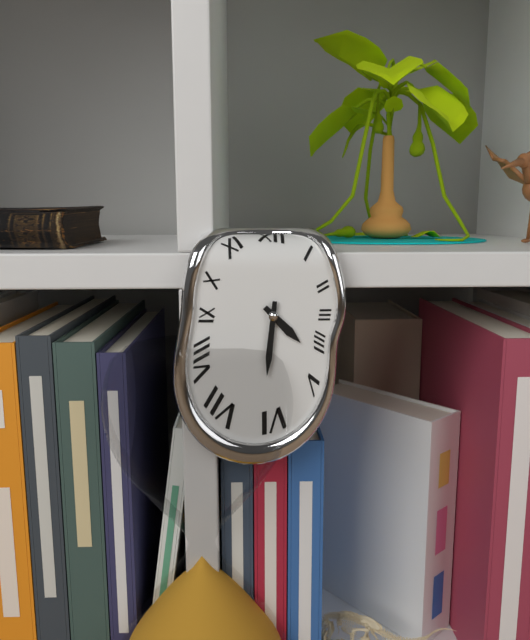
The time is **4:31**
